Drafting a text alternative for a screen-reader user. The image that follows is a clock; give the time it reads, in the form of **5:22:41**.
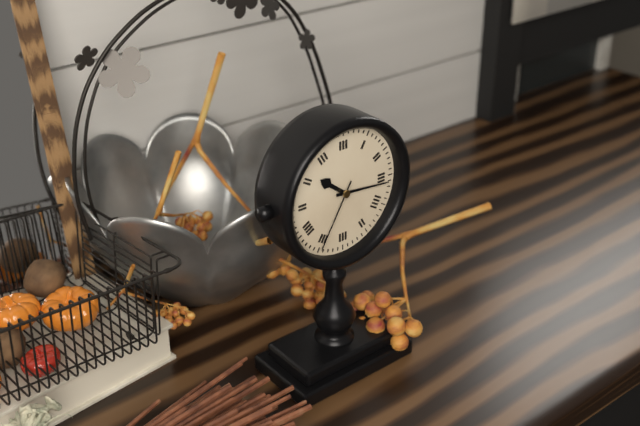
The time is **10:16:35**
